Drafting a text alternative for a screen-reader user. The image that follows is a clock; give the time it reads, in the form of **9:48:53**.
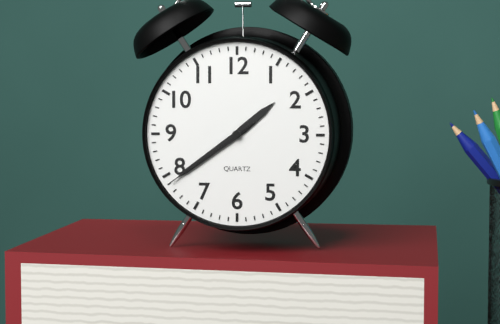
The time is **1:39:39**
